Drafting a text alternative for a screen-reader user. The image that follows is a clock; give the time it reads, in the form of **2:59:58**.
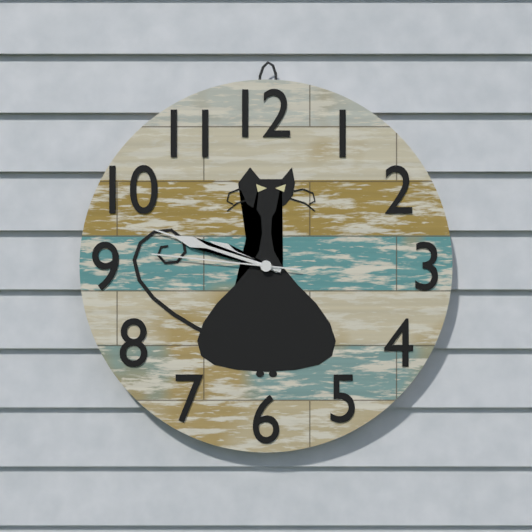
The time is **9:48:46**
